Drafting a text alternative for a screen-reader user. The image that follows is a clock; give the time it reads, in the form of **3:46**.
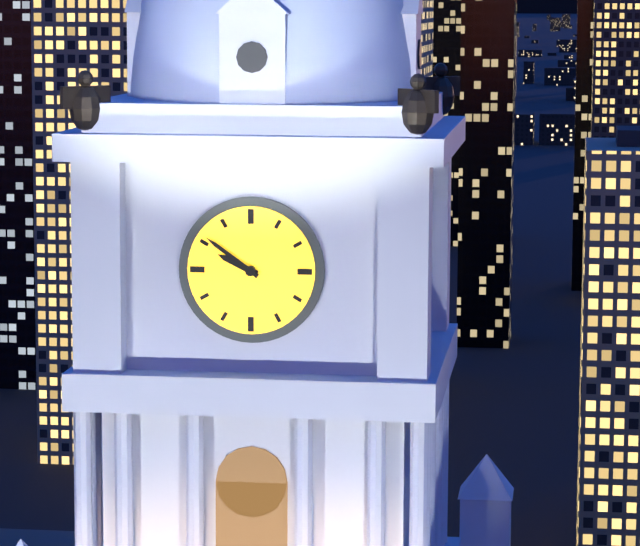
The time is **9:51**
